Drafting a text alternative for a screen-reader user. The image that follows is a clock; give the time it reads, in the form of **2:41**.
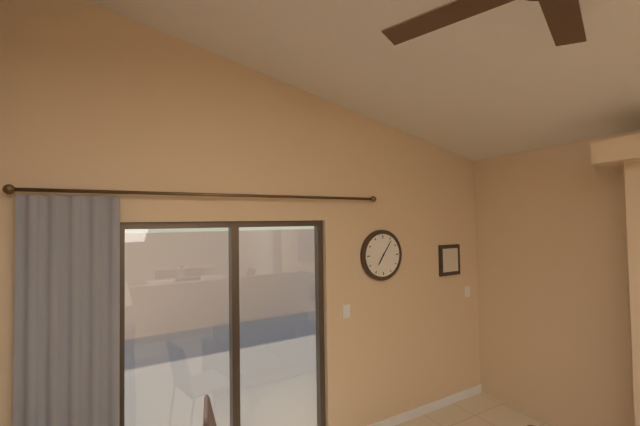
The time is **7:06**
